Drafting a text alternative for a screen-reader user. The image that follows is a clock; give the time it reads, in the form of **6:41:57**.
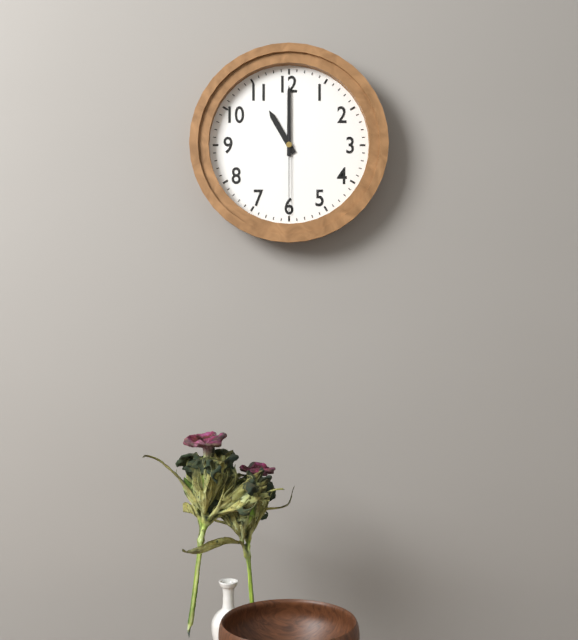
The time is **11:00:30**
